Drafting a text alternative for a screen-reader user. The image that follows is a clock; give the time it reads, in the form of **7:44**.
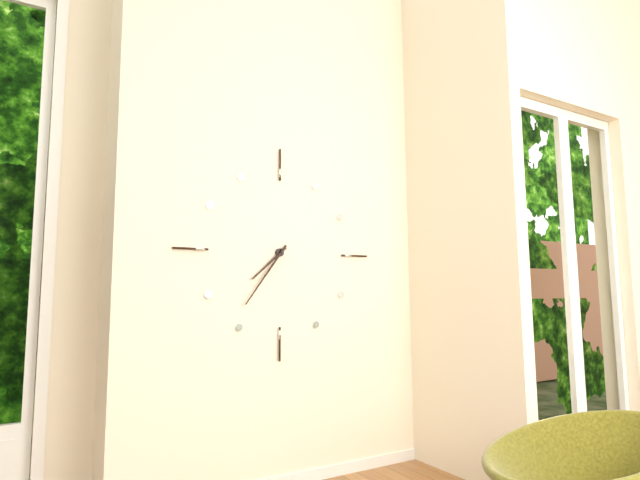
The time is **7:36**
